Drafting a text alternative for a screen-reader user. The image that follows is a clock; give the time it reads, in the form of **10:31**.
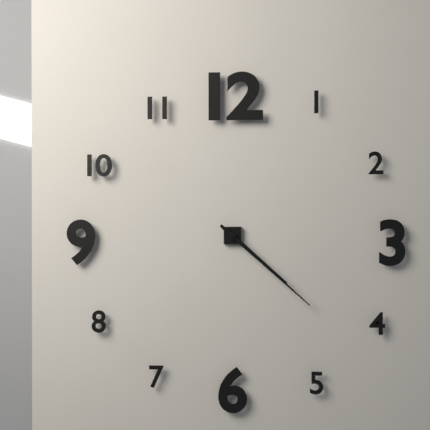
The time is **4:22**
